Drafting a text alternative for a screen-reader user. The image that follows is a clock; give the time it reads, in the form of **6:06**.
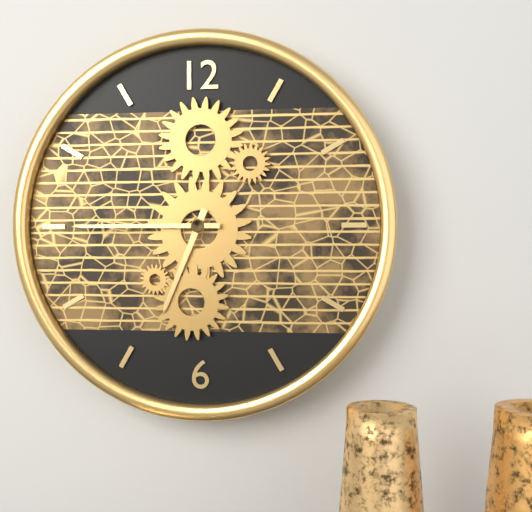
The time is **6:45**
